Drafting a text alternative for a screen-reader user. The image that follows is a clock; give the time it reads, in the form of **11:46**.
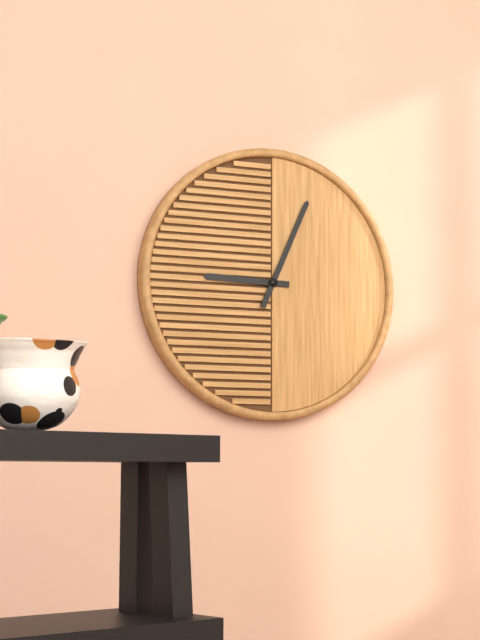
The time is **9:04**
